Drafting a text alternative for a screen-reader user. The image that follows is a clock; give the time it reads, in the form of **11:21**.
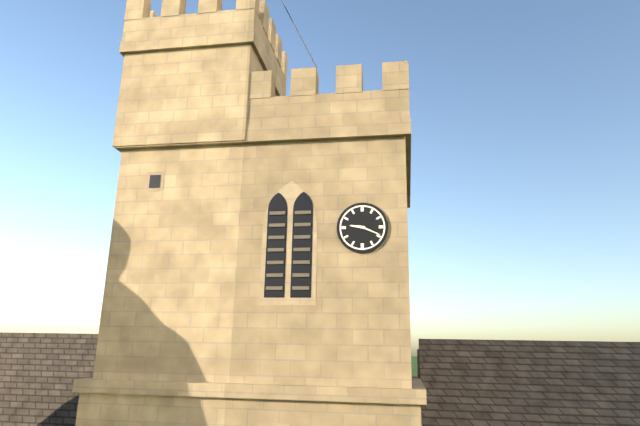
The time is **9:19**
